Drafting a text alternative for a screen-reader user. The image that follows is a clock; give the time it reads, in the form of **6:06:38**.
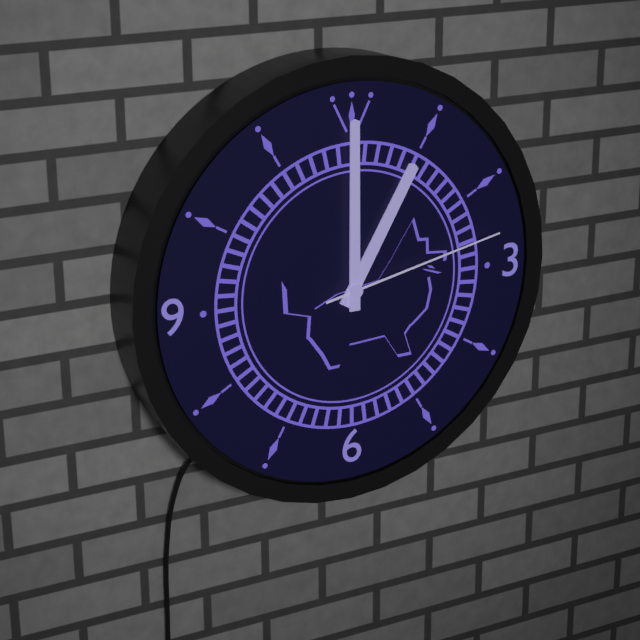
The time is **1:00:13**
